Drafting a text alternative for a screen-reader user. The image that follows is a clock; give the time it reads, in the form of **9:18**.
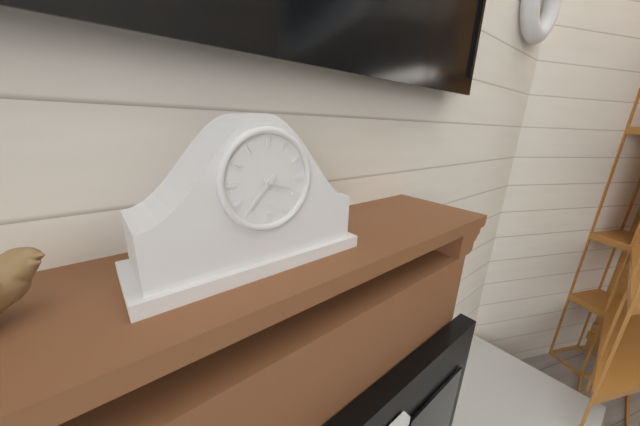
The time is **3:37**
